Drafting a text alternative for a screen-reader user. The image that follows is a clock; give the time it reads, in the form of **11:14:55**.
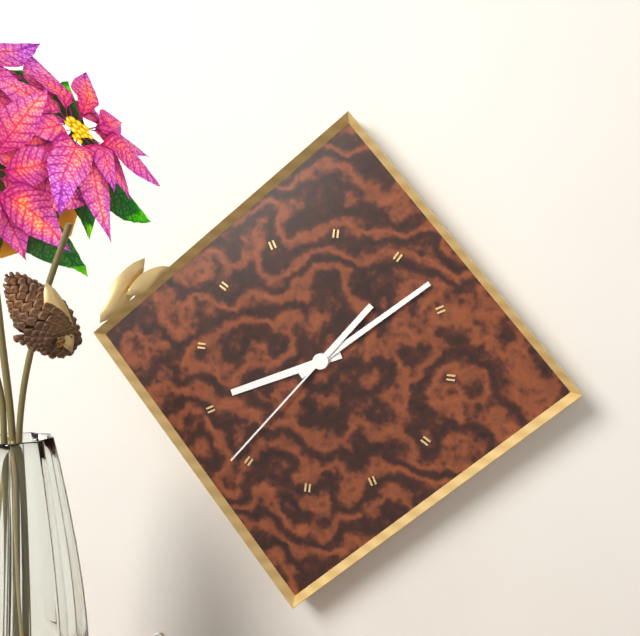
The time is **8:08:36**
